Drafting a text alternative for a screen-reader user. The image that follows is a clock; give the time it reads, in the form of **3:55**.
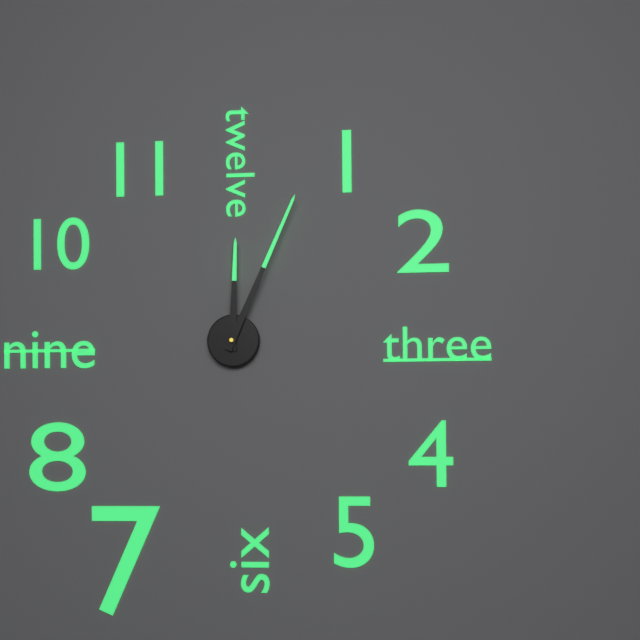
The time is **12:04**
